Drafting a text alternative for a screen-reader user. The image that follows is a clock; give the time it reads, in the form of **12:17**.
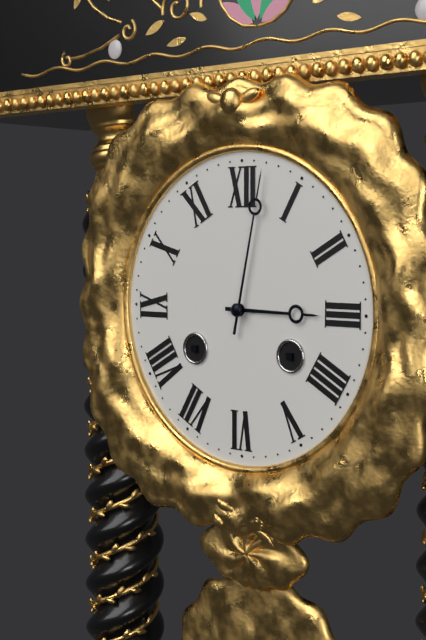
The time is **3:02**
